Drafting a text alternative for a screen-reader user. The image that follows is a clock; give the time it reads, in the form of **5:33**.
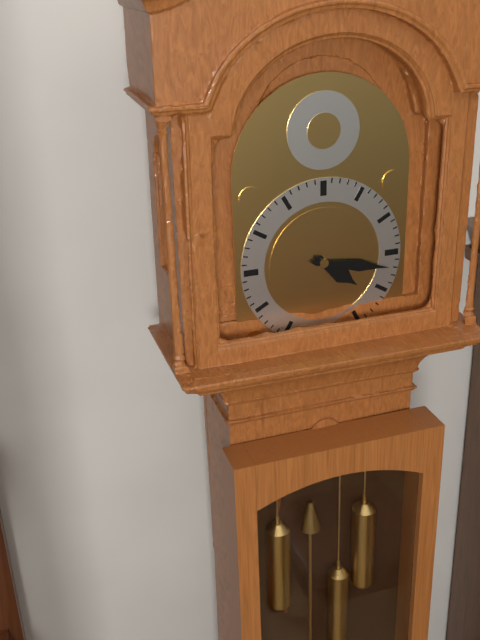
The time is **4:17**
